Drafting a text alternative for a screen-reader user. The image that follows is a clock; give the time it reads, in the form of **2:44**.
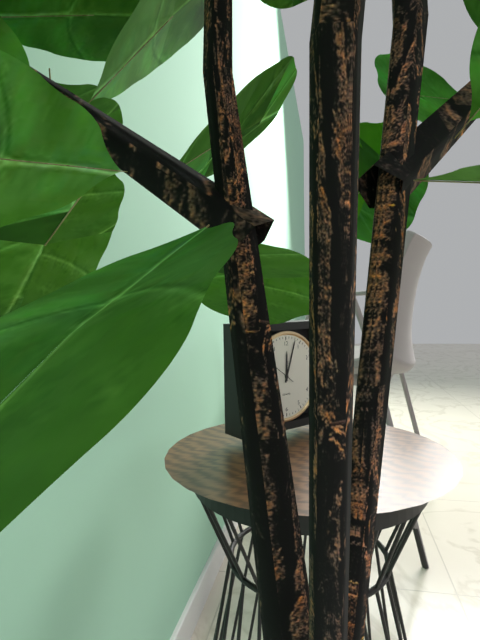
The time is **12:03**
